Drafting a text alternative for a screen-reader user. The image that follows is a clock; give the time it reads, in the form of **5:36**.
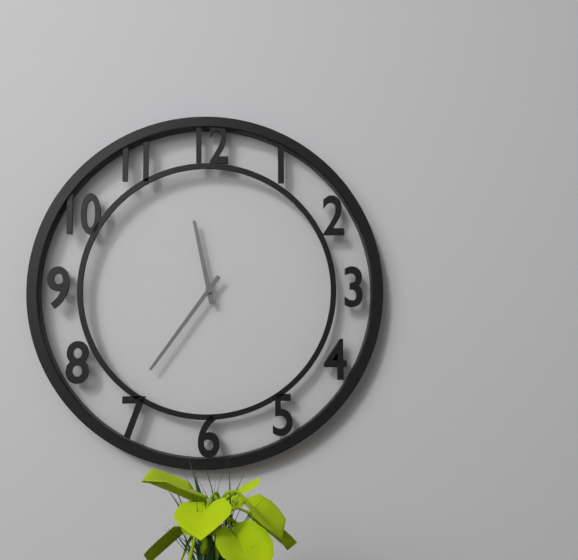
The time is **11:36**
